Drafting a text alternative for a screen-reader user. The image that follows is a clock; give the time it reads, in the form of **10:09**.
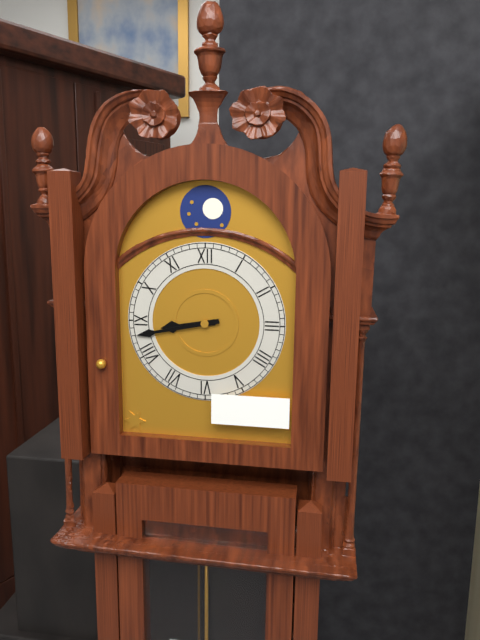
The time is **8:43**
